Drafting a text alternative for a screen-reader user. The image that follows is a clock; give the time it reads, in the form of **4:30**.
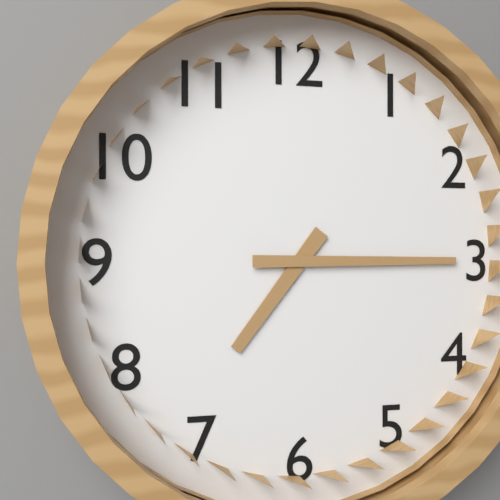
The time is **7:15**
